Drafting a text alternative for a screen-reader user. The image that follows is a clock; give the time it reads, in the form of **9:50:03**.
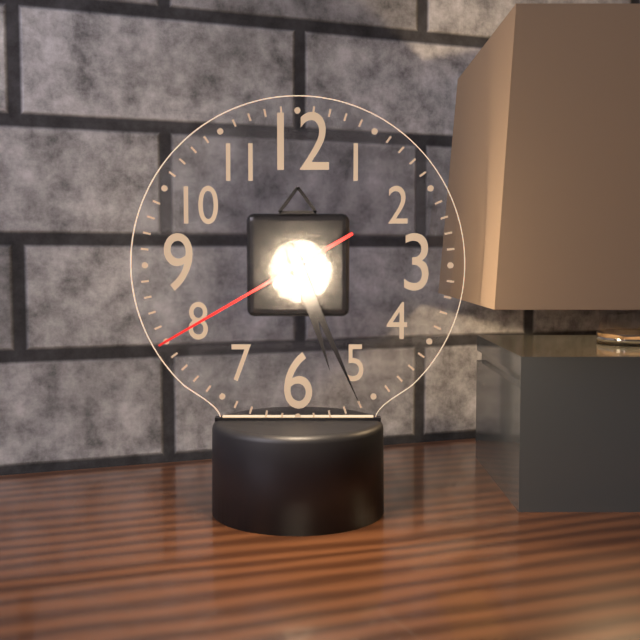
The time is **5:26:40**
